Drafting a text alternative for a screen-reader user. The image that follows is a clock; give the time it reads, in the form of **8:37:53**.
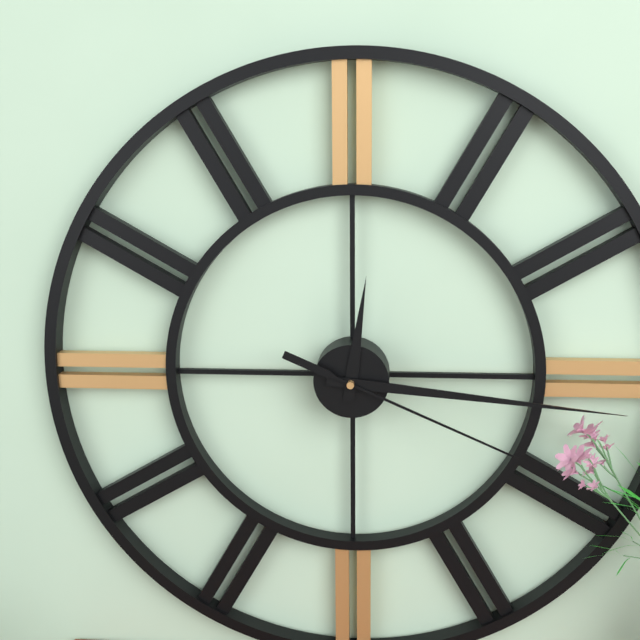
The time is **12:16:19**
